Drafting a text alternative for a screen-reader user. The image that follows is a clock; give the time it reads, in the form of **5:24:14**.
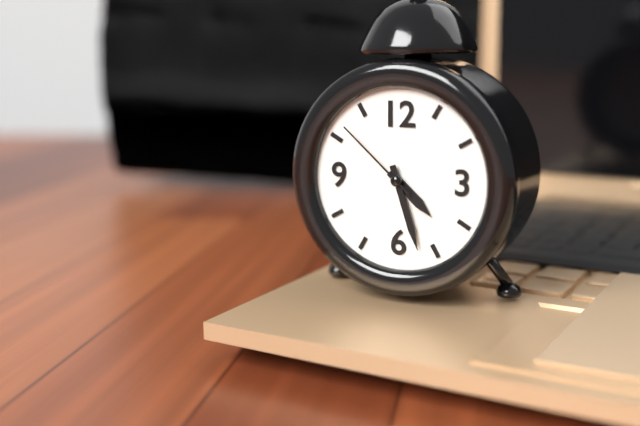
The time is **4:27:52**
